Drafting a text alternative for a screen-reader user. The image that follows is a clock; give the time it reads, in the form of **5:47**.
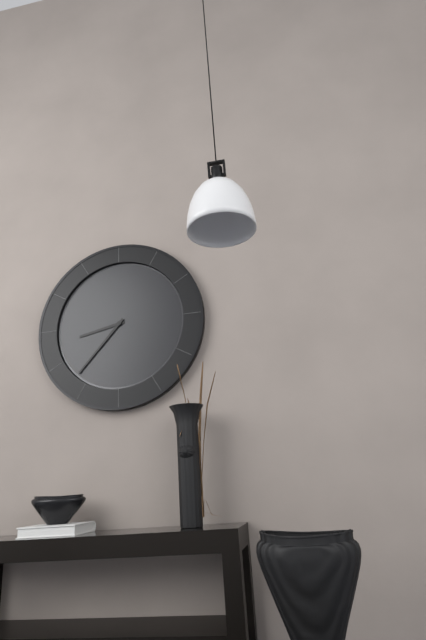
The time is **8:37**
